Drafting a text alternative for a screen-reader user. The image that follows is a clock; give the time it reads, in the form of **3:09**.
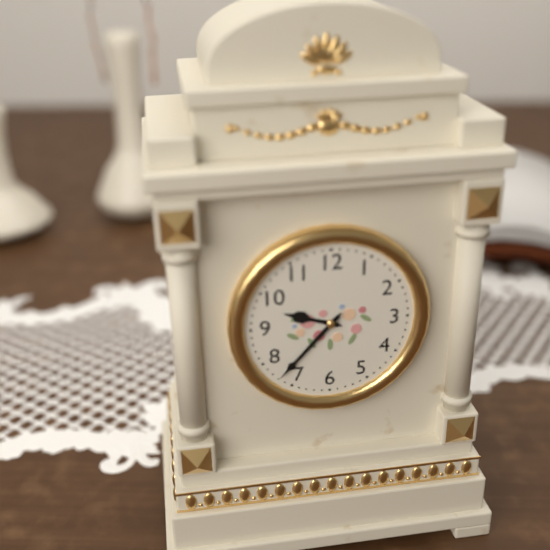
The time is **9:37**
